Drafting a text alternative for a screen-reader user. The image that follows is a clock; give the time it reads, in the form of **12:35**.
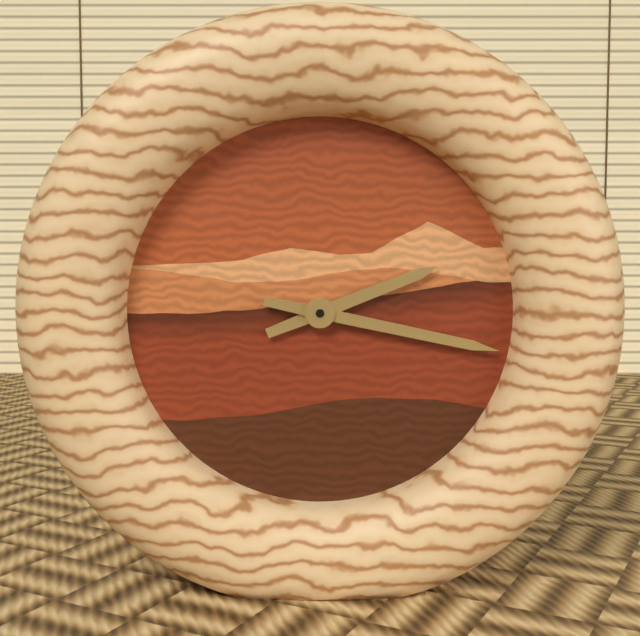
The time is **2:17**
